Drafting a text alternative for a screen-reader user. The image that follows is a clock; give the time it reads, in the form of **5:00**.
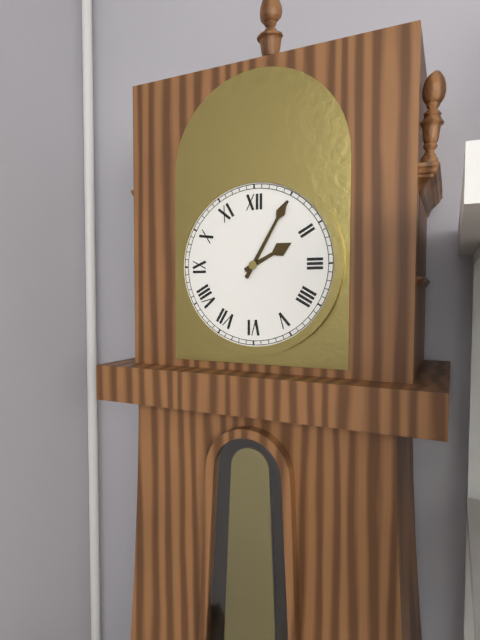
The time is **2:05**
